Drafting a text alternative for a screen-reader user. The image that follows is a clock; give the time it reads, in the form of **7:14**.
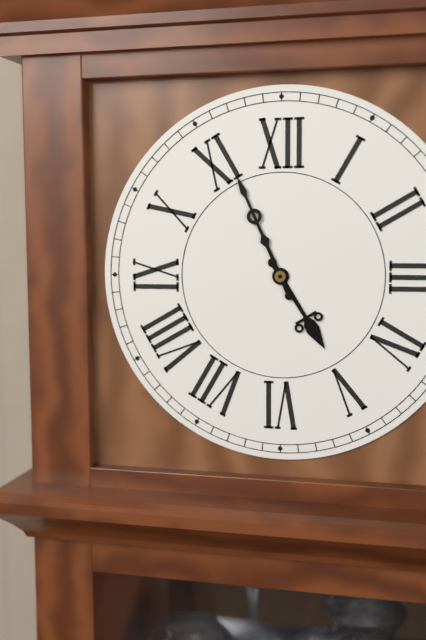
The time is **4:56**
